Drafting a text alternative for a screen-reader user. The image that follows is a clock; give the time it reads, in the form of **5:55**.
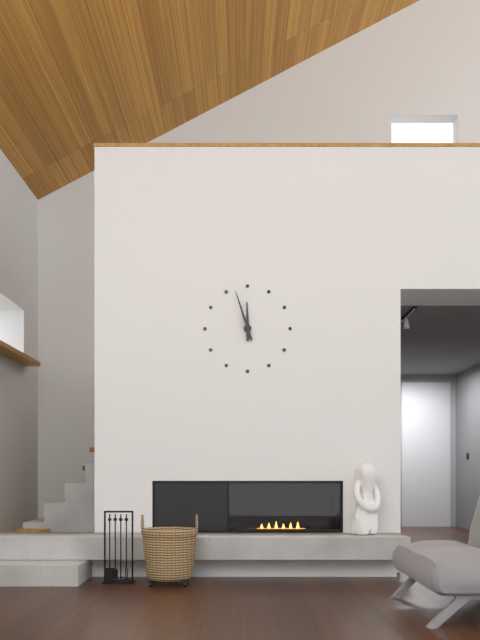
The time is **11:57**
